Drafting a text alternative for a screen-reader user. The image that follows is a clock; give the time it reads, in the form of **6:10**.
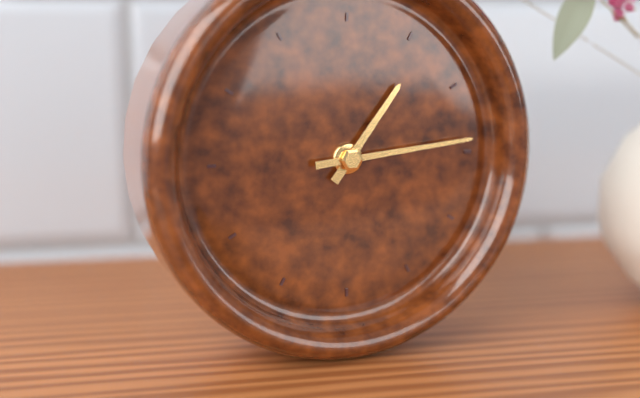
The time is **1:14**
